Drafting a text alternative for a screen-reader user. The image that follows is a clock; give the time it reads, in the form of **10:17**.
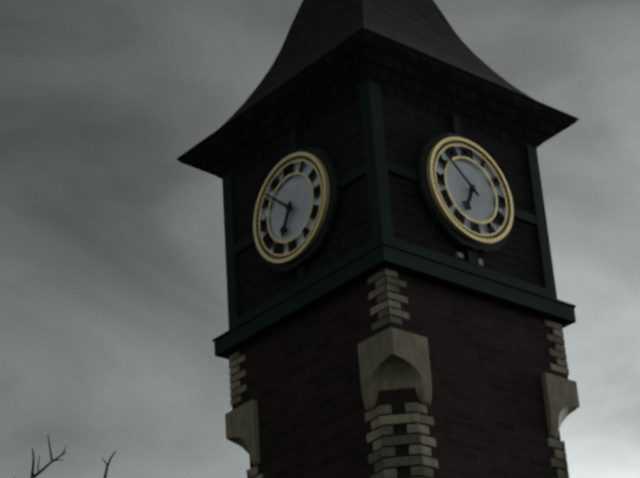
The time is **6:52**
